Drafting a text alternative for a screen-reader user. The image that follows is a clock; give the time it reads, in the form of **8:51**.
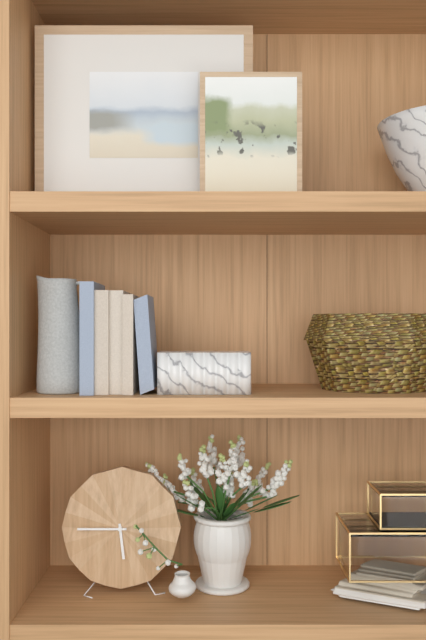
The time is **5:45**
